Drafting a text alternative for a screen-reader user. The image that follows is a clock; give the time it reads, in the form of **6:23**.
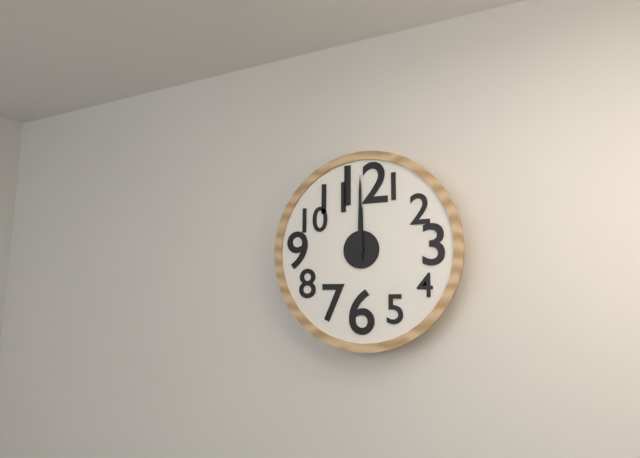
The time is **12:00**
